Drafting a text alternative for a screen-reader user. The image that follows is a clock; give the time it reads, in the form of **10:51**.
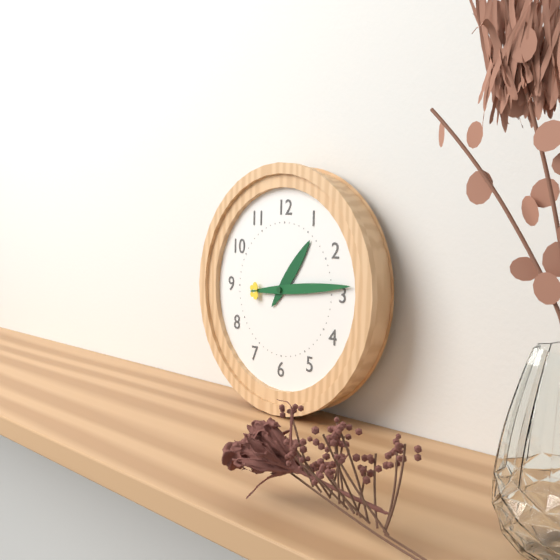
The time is **1:14**
